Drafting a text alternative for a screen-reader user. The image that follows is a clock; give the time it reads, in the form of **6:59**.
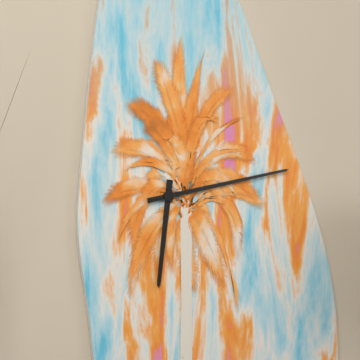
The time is **6:13**
